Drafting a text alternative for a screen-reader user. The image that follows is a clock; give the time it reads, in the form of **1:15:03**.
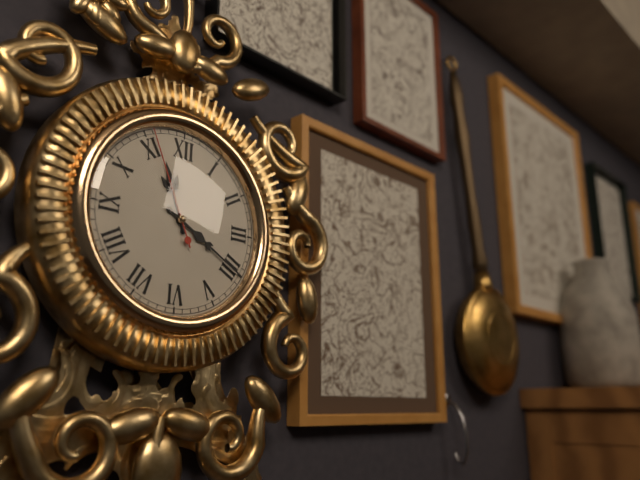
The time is **11:20:56**
